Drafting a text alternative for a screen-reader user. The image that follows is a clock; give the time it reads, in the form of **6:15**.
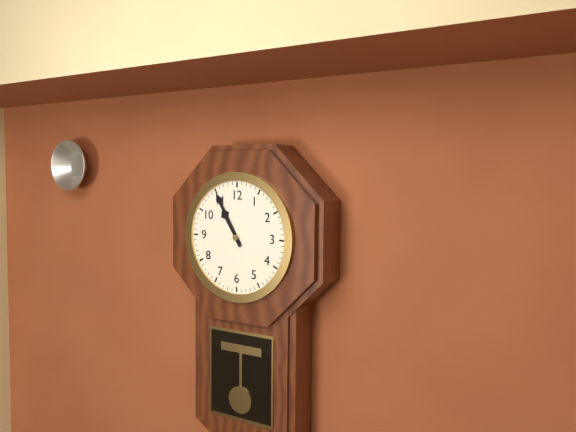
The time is **10:55**
